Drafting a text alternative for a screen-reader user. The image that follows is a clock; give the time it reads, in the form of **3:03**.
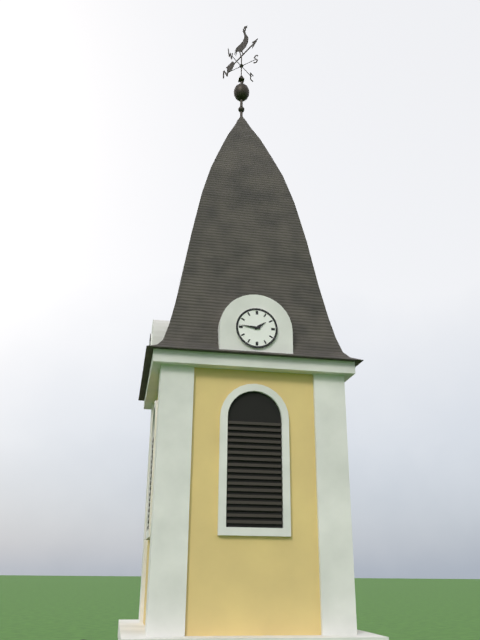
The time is **1:46**
